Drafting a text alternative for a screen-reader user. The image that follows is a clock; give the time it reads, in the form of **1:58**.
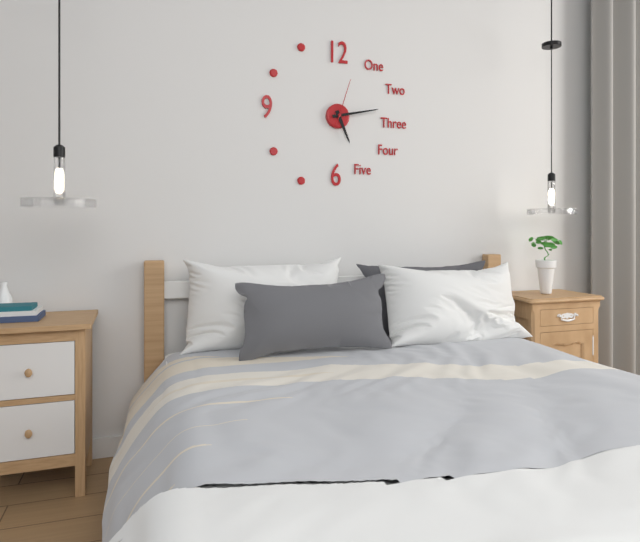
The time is **5:13**
